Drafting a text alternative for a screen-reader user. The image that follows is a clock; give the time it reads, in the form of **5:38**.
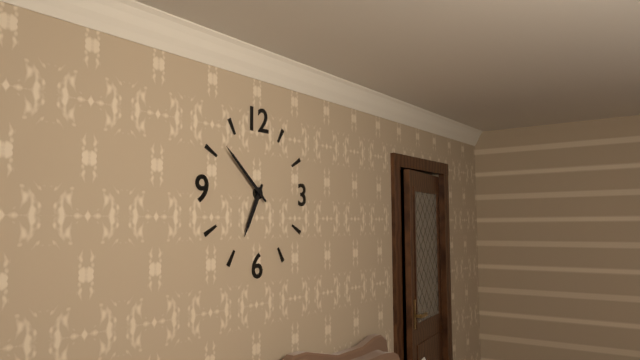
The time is **6:52**
